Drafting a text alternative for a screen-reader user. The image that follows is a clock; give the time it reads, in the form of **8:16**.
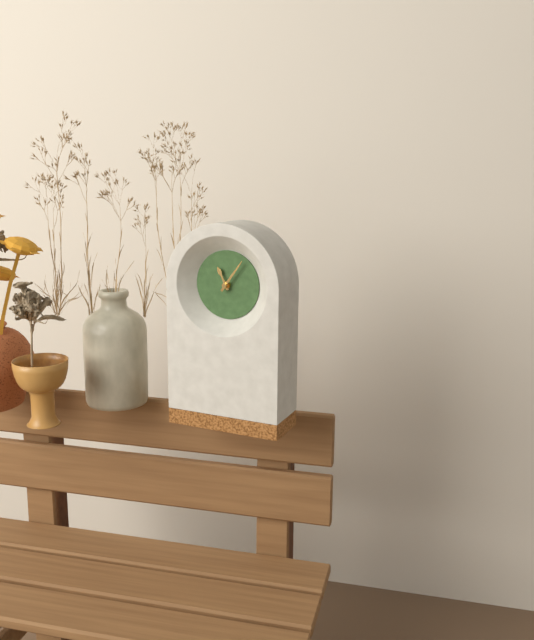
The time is **11:06**
